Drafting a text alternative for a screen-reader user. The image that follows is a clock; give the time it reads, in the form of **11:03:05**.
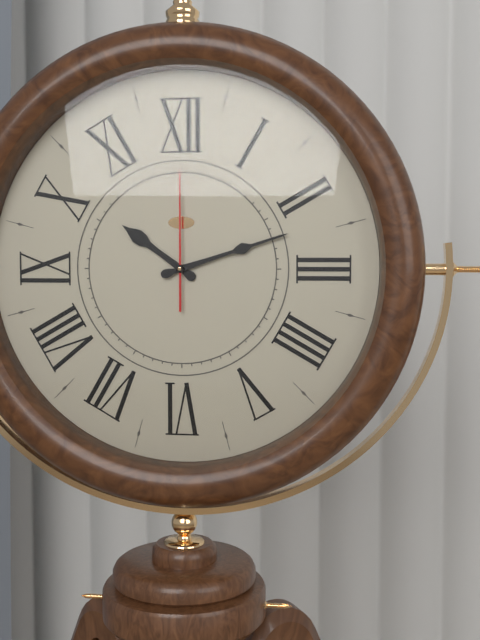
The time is **10:12:00**
